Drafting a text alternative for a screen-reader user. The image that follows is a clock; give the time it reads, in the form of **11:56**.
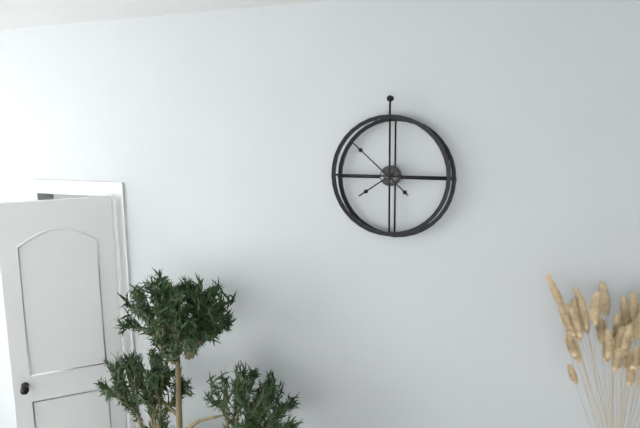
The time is **7:52**
